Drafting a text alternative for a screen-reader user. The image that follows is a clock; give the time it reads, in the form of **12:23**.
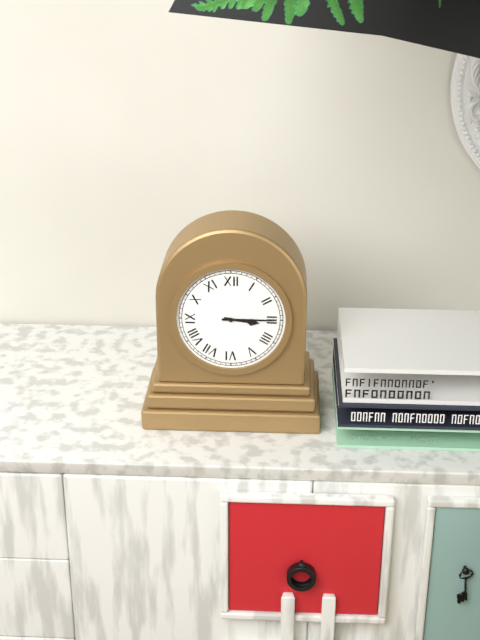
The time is **3:15**
